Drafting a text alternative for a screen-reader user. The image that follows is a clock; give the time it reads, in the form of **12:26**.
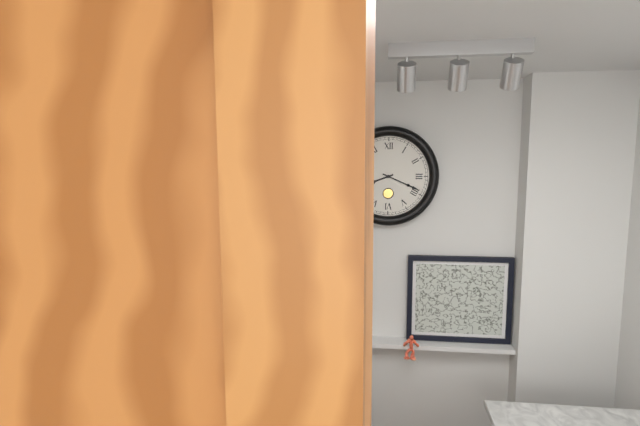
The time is **8:19**
